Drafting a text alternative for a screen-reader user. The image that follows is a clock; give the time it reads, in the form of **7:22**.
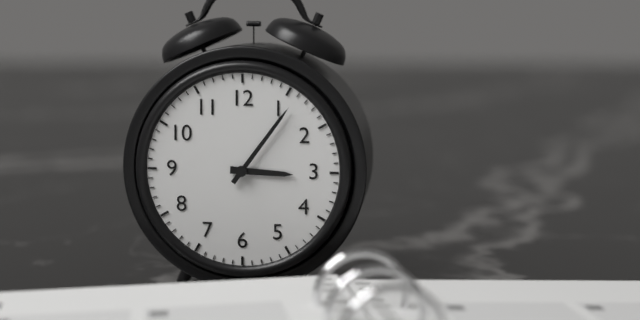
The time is **3:06**
